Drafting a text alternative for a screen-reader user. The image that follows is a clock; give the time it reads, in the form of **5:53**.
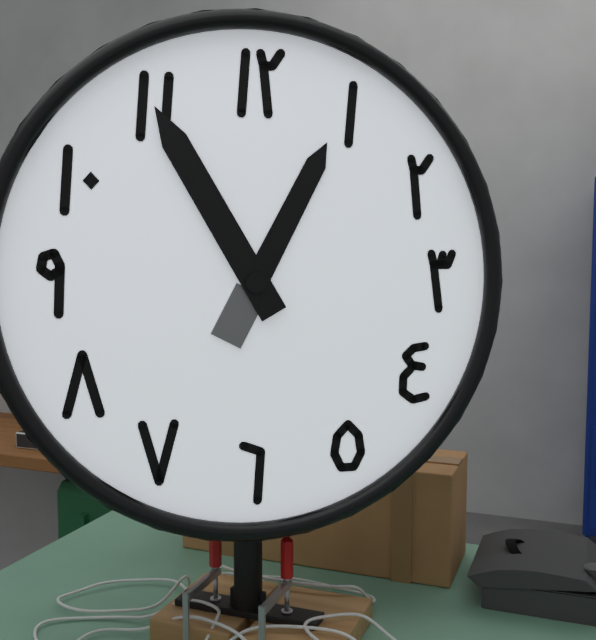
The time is **12:55**
